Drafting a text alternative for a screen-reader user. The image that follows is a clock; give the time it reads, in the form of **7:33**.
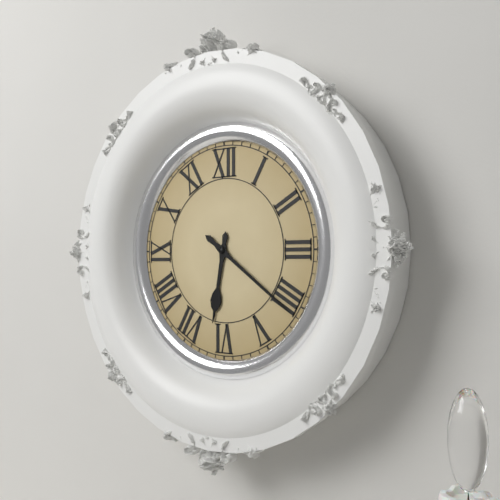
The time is **6:21**
